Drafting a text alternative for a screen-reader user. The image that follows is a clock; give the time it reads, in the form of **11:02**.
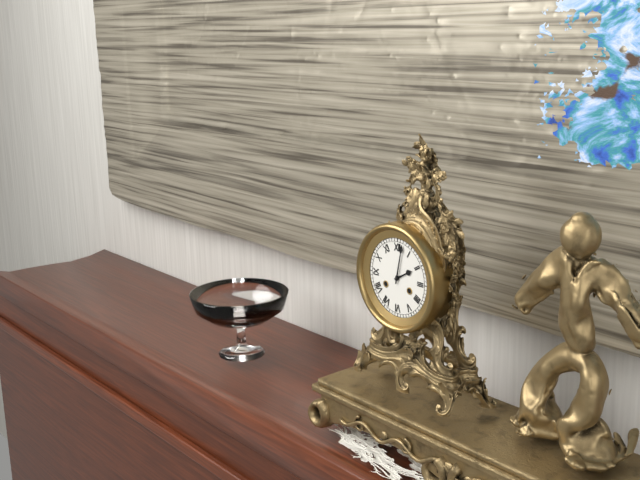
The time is **2:02**
